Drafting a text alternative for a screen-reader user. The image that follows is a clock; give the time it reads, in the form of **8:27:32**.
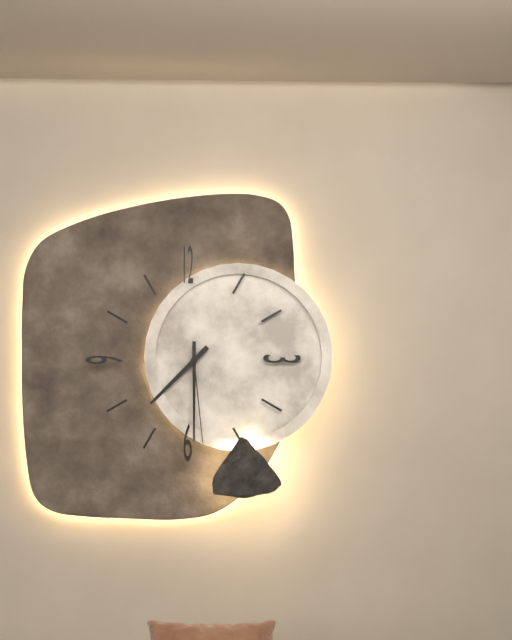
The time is **7:30:29**
